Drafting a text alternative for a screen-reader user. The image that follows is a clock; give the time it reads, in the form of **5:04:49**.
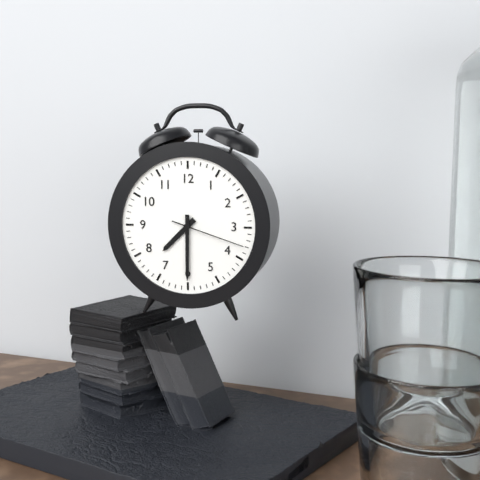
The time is **7:30:18**
